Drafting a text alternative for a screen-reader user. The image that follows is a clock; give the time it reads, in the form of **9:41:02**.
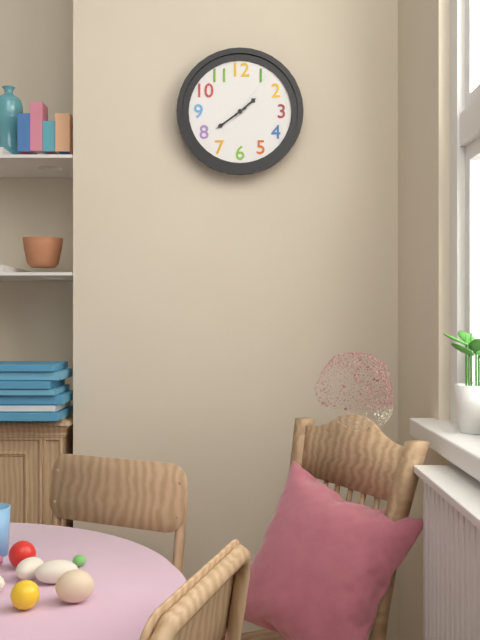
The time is **1:39:06**
